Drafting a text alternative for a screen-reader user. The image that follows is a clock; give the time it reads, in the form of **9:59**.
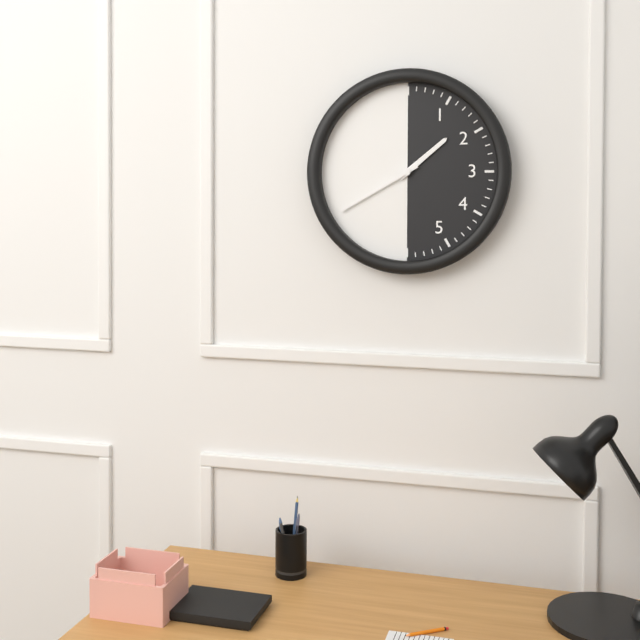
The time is **1:40**
